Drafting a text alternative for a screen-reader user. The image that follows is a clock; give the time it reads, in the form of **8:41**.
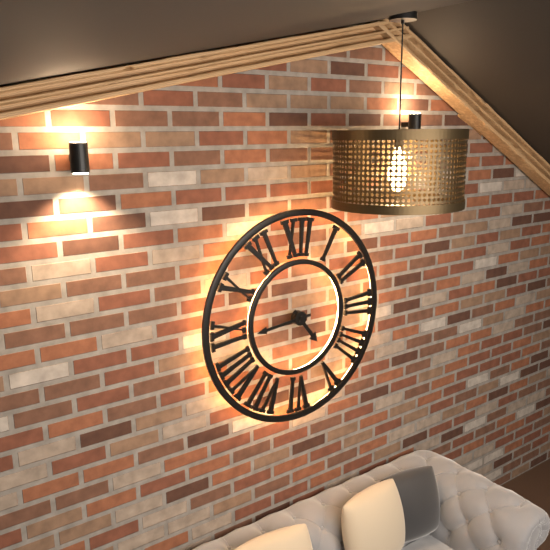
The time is **4:44**
